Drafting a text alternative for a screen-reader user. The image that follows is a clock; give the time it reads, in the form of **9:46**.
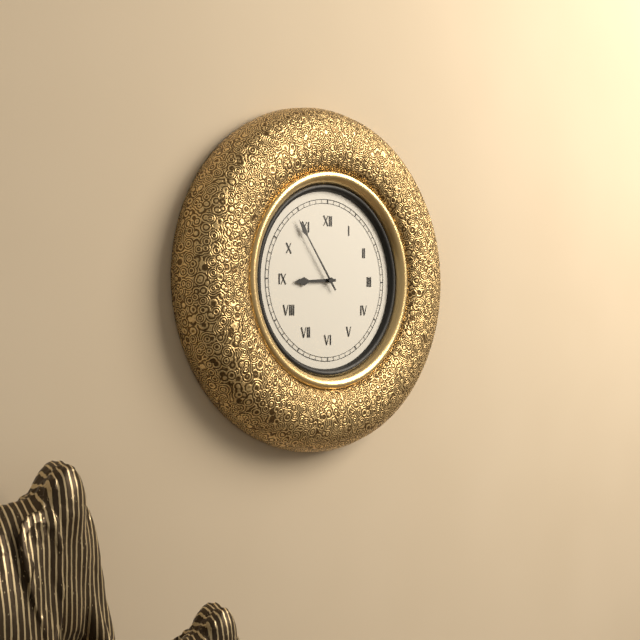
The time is **8:54**
